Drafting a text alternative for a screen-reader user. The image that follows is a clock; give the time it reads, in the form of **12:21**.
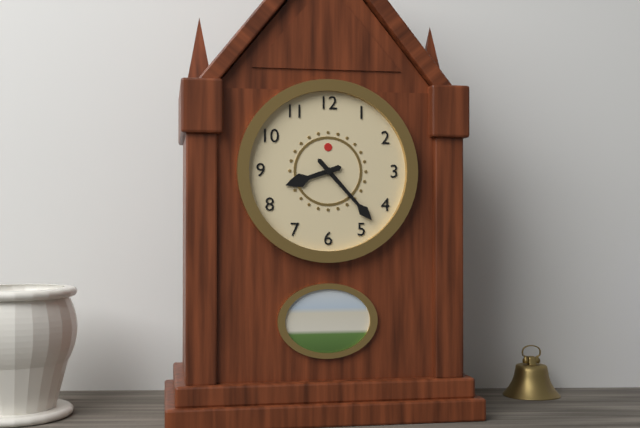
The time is **8:23**
